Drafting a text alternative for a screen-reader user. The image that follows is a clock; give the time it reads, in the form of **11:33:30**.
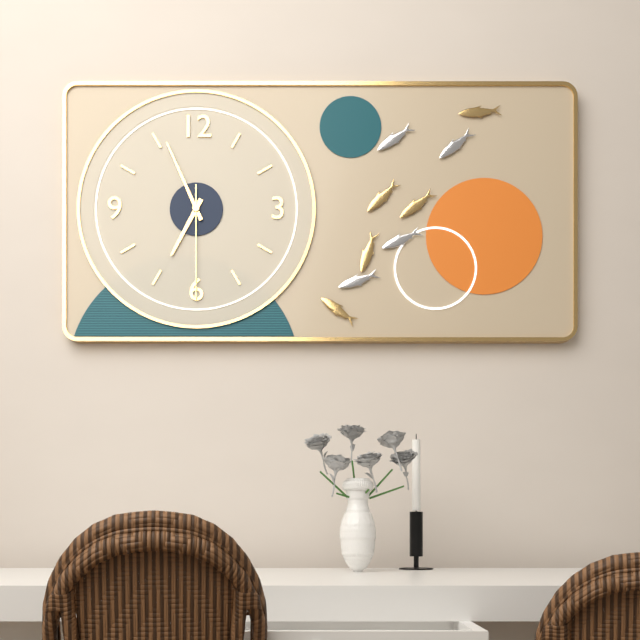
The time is **6:56:30**
